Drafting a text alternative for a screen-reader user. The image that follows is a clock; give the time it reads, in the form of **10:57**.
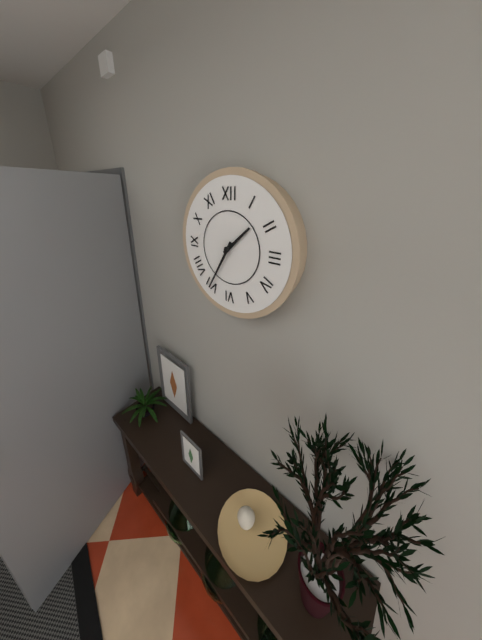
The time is **1:35**
